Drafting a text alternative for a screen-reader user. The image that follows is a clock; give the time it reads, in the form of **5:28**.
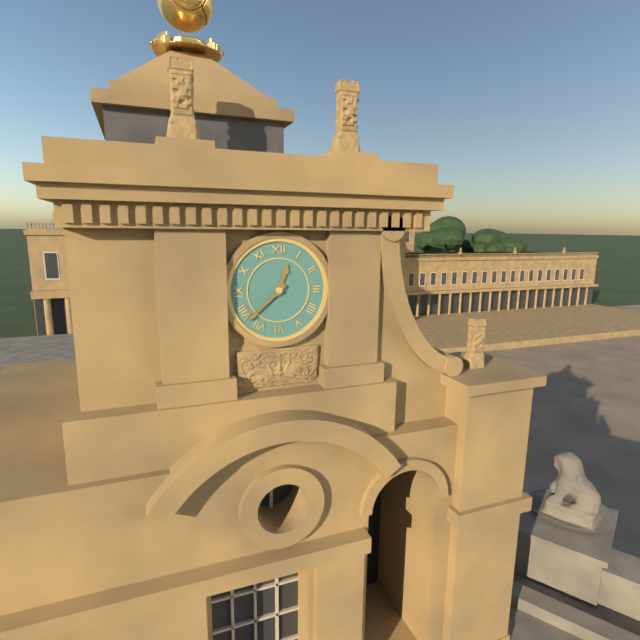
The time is **12:38**
